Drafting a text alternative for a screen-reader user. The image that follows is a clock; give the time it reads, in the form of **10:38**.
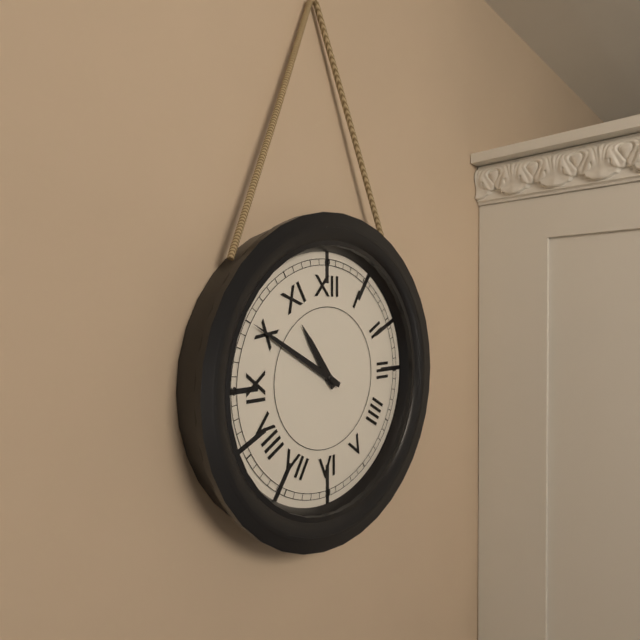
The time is **10:50**
